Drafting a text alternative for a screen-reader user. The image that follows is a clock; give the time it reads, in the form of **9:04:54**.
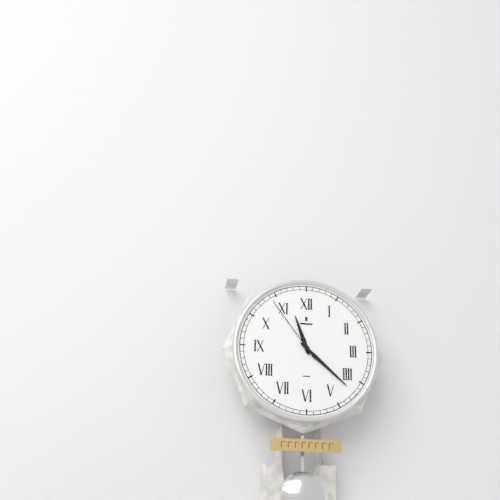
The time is **11:22:54**
